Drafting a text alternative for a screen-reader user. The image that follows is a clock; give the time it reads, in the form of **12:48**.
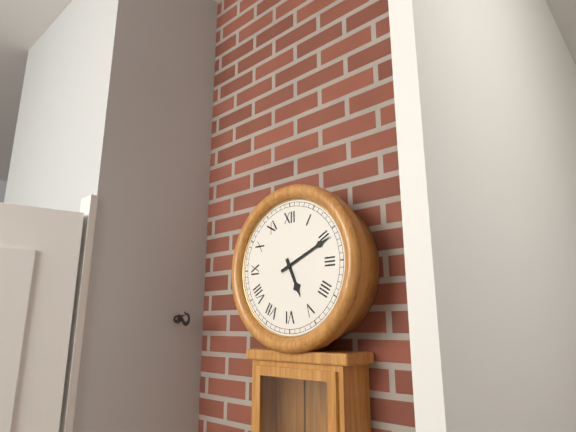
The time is **5:11**
